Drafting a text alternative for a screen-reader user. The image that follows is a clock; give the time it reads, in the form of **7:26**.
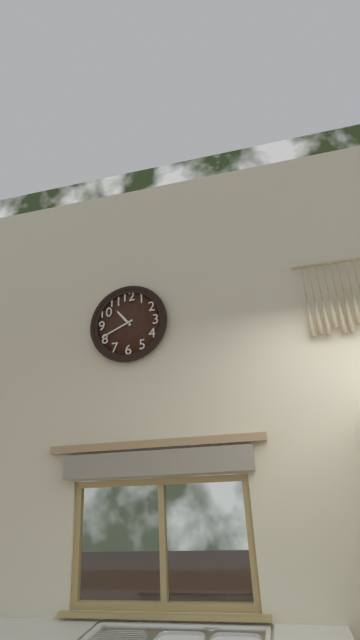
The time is **10:41**
